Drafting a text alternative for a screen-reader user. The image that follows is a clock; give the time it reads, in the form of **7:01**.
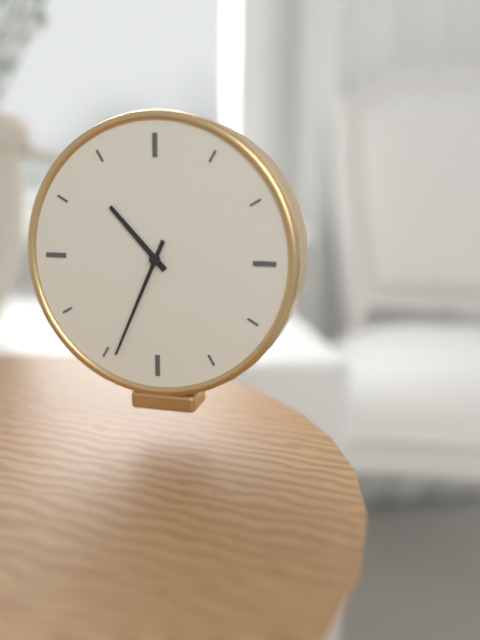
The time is **10:34**
